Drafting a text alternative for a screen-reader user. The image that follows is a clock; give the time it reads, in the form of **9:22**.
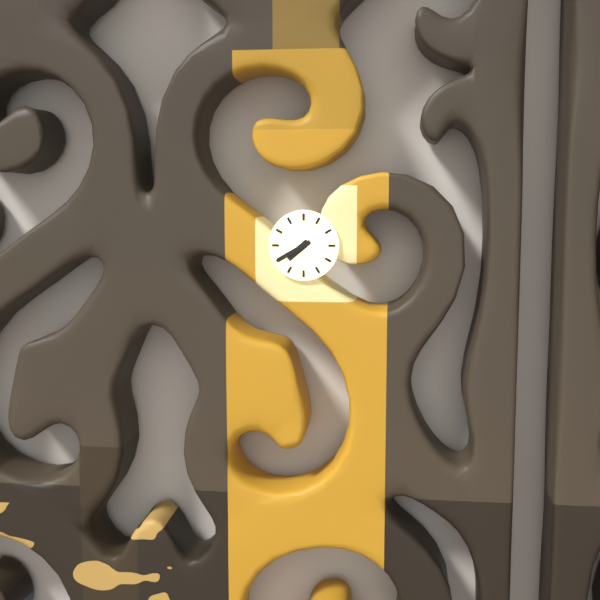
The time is **7:40**
